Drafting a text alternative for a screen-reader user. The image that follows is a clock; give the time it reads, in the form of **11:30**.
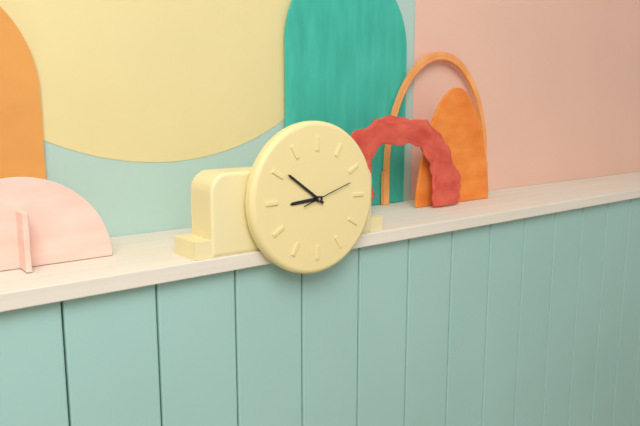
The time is **8:51**
